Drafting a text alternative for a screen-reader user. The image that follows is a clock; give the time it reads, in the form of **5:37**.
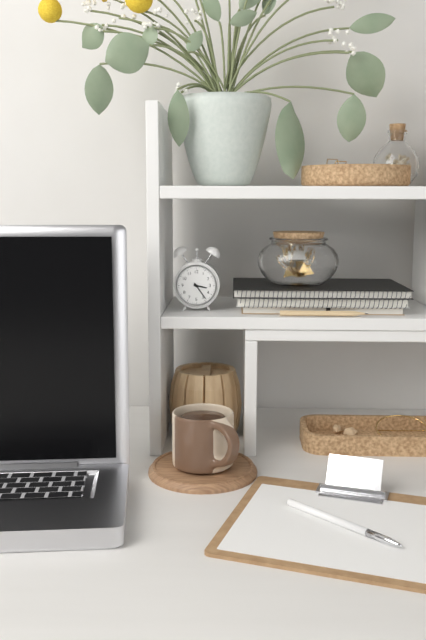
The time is **3:24**
